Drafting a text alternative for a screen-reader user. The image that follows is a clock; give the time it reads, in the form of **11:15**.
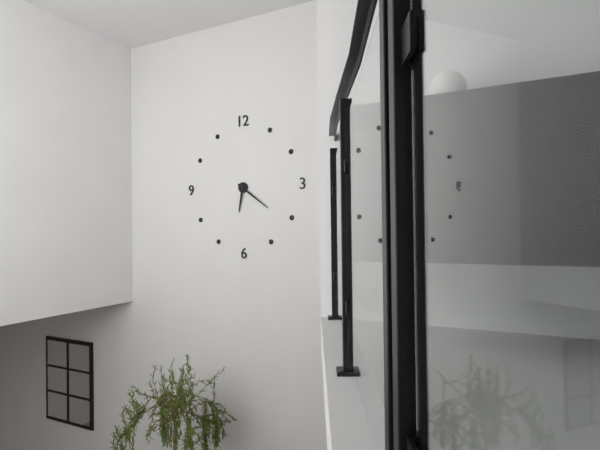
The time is **6:21**
